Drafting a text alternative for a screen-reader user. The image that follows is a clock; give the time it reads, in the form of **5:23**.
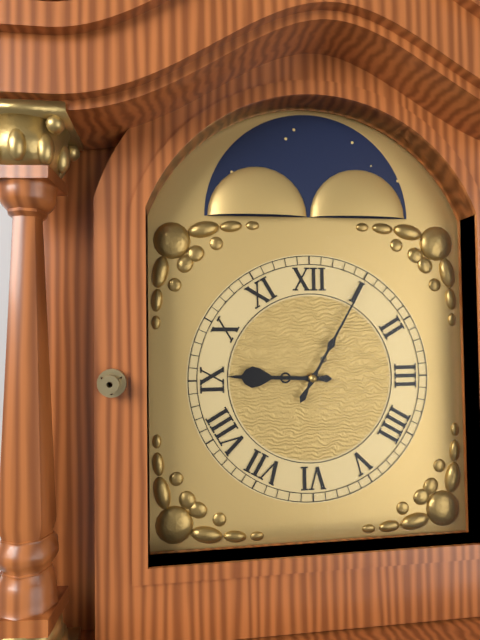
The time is **9:05**
